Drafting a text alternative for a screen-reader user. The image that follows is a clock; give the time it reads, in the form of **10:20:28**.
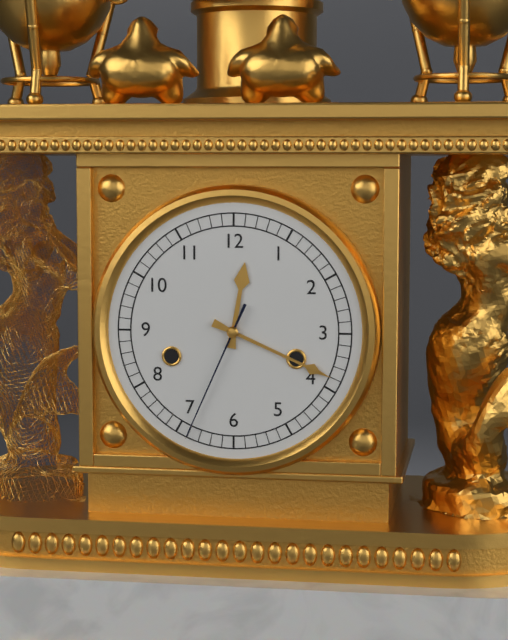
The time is **12:19:34**
